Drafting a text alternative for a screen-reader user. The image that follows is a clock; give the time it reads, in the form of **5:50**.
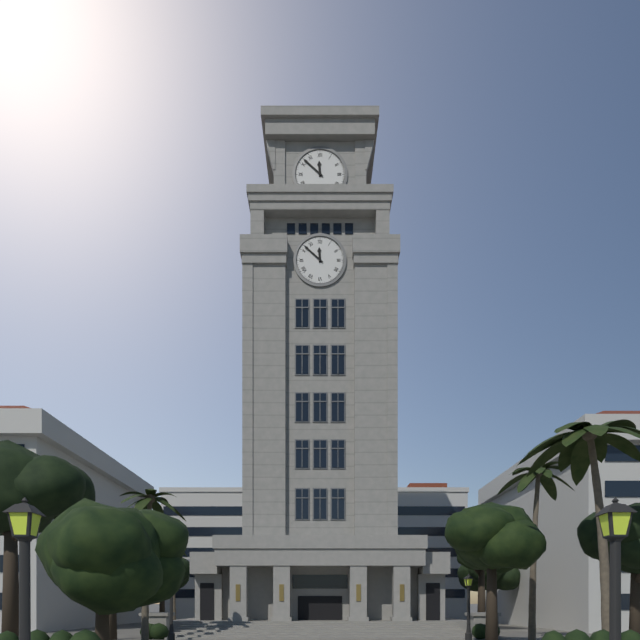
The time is **11:52**
